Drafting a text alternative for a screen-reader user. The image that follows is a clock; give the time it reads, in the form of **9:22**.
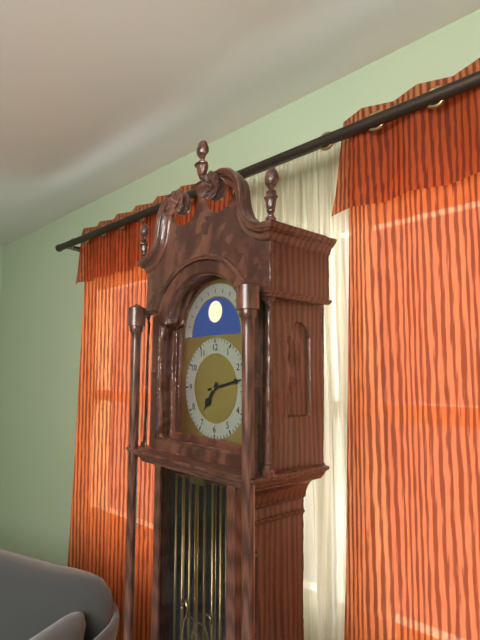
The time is **7:13**
